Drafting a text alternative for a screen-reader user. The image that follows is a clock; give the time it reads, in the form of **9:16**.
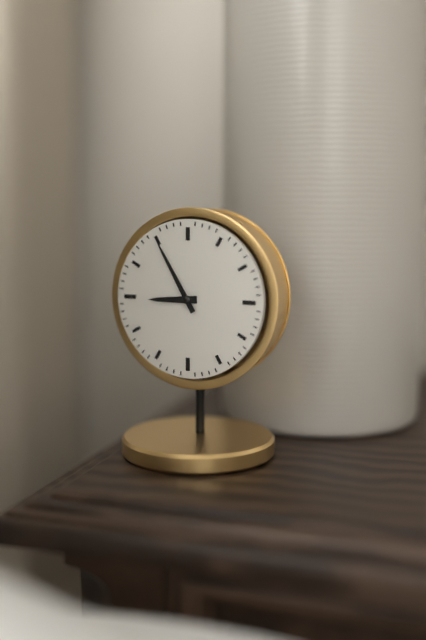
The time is **8:55**
